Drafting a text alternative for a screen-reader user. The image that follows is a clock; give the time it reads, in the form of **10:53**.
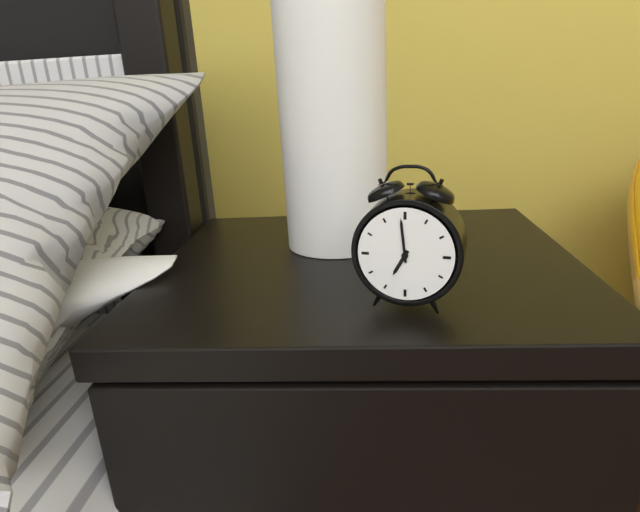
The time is **6:59**
